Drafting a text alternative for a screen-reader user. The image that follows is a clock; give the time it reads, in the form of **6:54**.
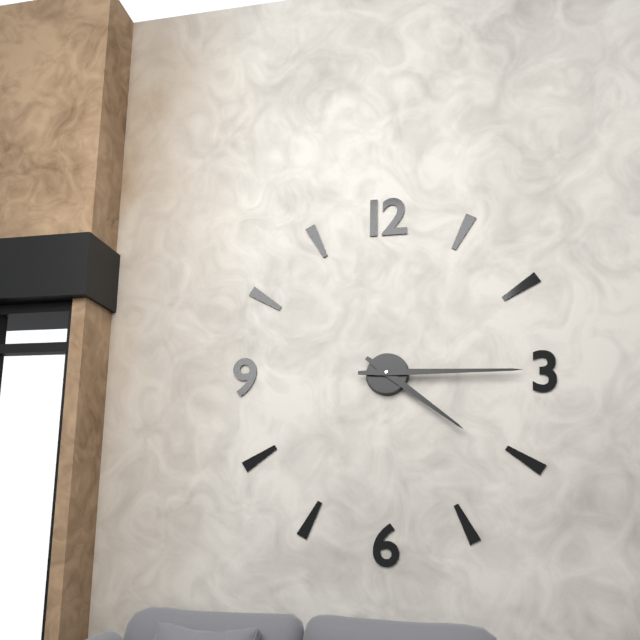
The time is **4:15**
